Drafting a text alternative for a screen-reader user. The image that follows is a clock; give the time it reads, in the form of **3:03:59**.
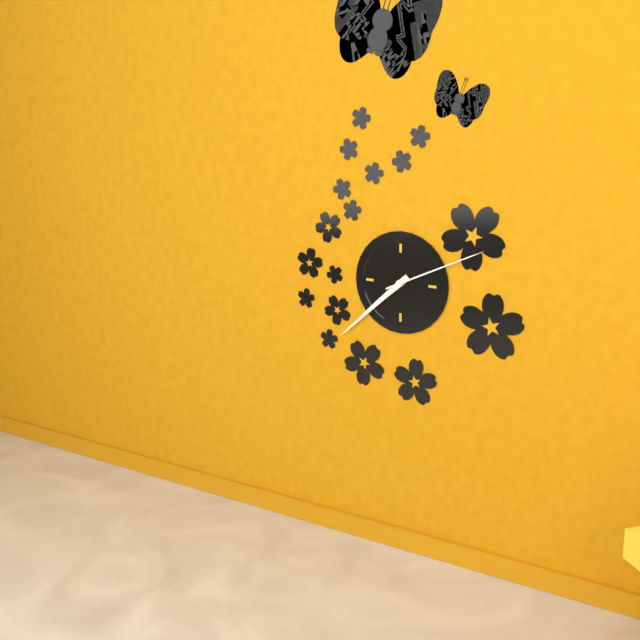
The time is **7:38:11**
